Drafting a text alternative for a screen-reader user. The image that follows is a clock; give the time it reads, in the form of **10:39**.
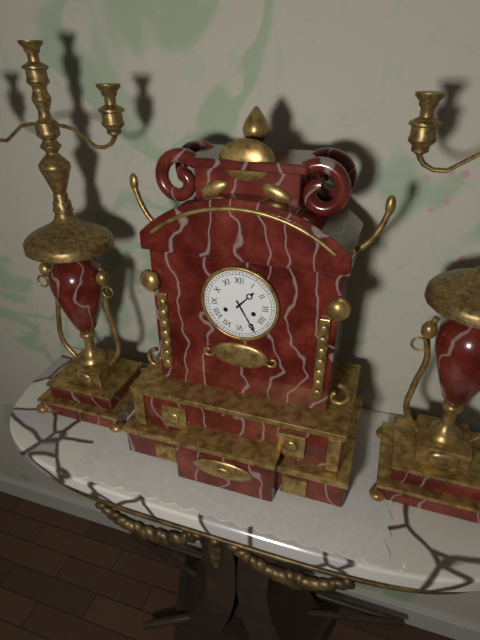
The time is **1:25**
